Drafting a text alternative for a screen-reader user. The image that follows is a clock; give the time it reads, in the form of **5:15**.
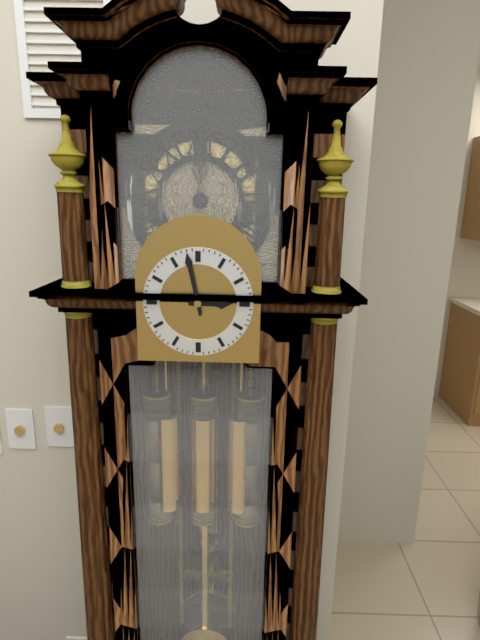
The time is **2:58**
